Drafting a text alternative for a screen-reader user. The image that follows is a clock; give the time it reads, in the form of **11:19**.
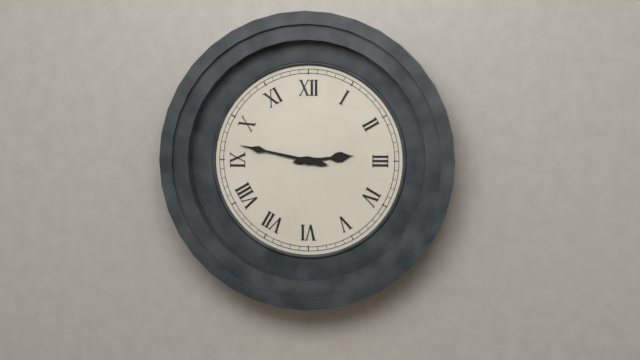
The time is **2:47**
